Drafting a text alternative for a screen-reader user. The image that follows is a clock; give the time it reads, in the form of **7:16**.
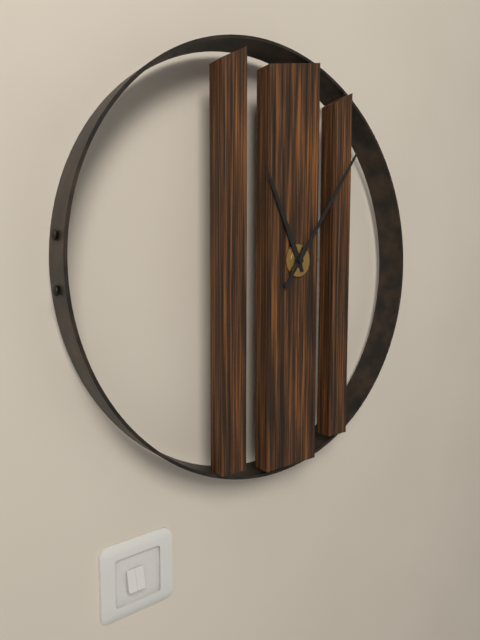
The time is **11:06**
